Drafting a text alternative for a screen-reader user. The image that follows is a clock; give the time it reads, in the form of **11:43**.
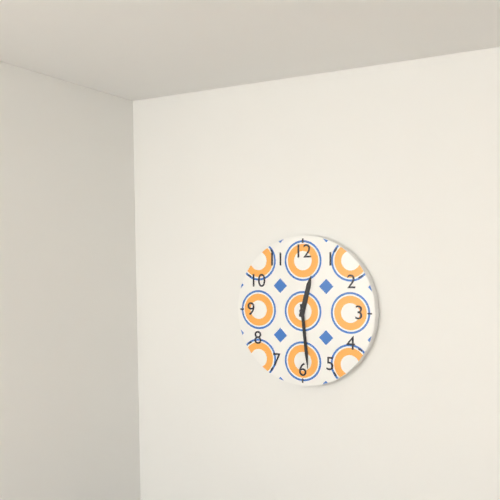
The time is **12:29**
